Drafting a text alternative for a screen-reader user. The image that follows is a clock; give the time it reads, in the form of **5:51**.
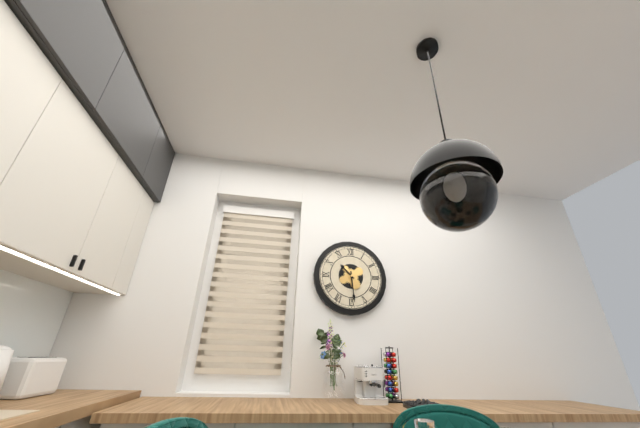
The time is **10:29**
